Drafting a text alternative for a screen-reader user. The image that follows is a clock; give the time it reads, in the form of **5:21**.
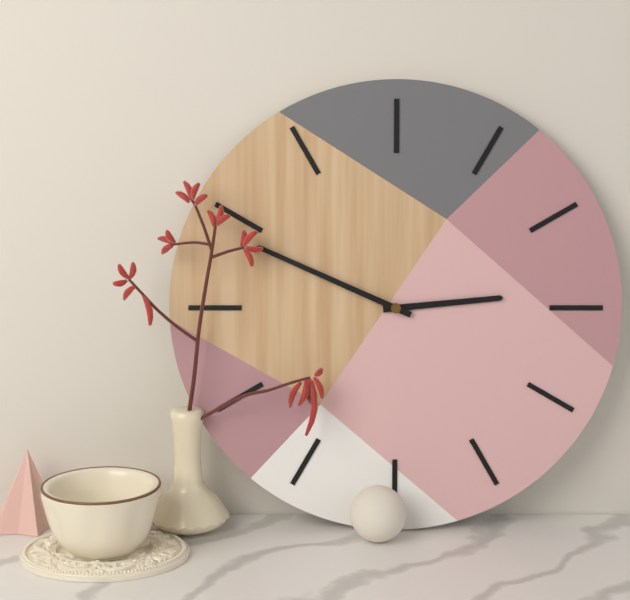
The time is **2:49**
